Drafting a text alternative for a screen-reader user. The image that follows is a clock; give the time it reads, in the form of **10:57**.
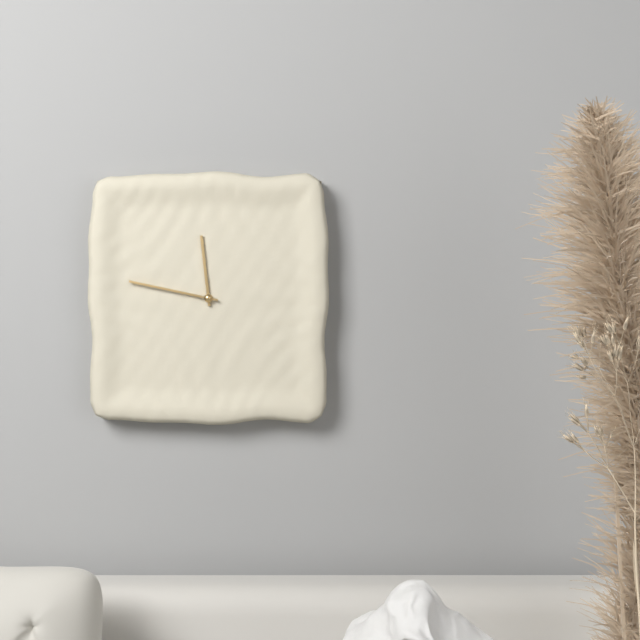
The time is **11:47**
